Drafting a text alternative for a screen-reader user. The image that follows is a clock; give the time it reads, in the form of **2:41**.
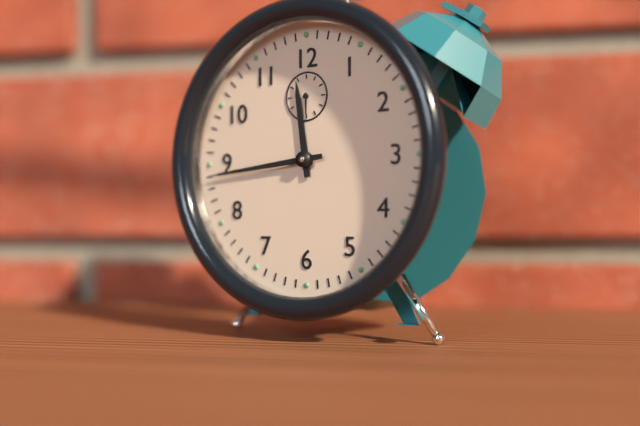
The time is **11:44**
